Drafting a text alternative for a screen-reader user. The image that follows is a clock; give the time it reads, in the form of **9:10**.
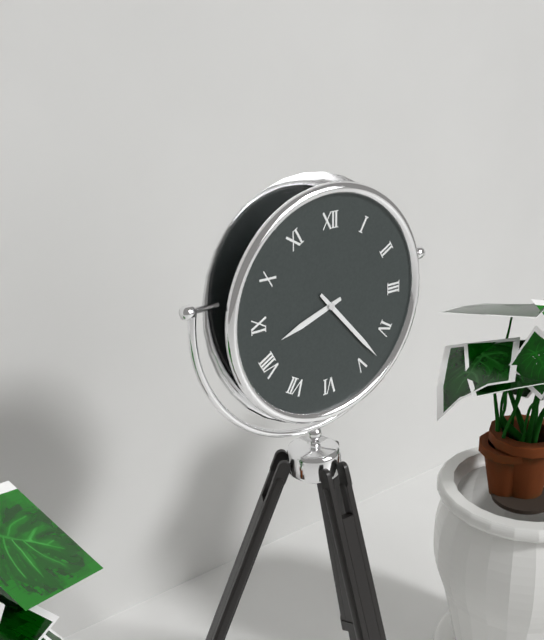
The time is **8:23**
